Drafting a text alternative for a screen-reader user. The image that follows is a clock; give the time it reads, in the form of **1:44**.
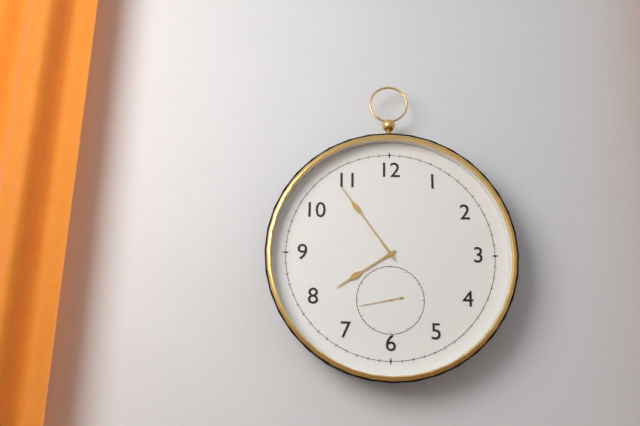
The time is **7:54**
